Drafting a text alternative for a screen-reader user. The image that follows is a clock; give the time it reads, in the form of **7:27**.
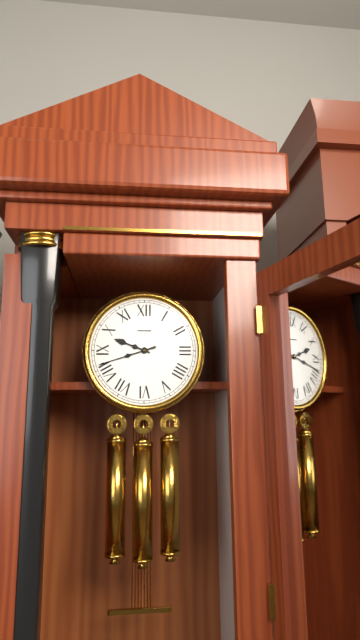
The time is **9:42**
